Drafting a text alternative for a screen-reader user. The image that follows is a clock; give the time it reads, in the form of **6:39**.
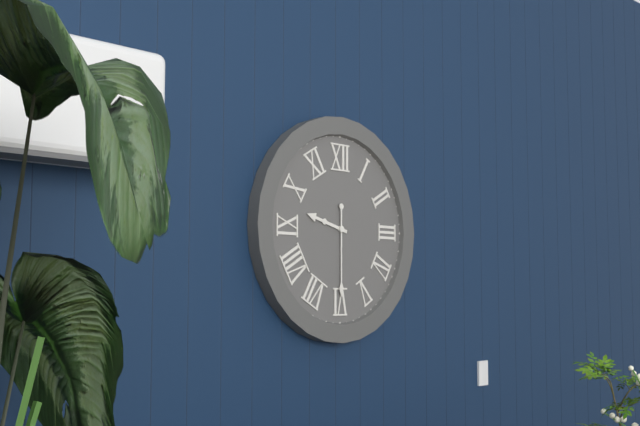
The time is **9:30**
